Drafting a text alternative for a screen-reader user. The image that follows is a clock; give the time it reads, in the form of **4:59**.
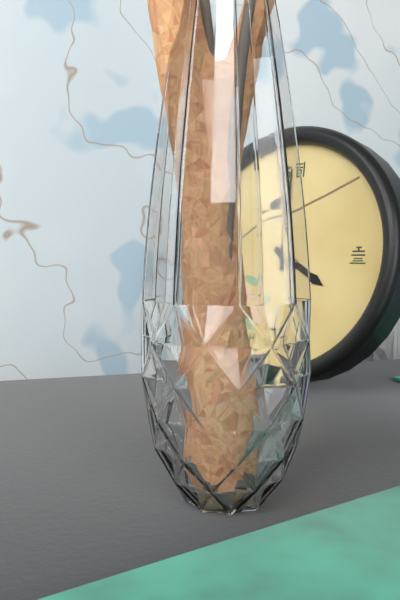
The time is **4:00**
